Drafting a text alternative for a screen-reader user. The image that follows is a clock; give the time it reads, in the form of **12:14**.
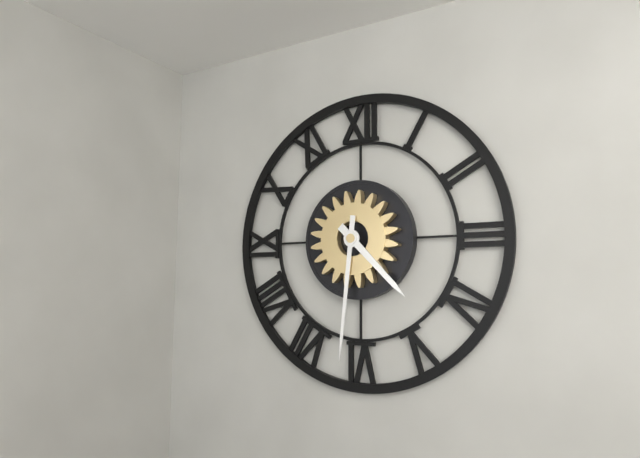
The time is **4:31**
